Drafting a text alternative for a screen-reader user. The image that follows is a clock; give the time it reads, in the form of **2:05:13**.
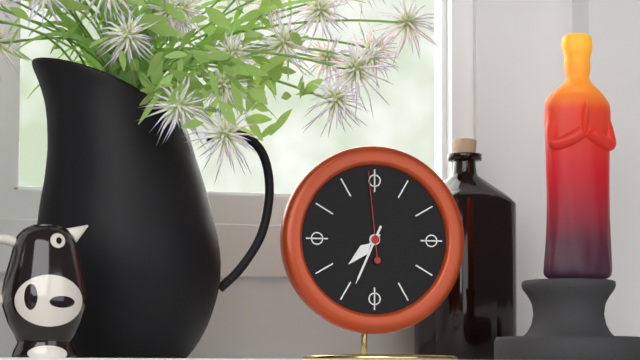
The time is **7:34:59**
